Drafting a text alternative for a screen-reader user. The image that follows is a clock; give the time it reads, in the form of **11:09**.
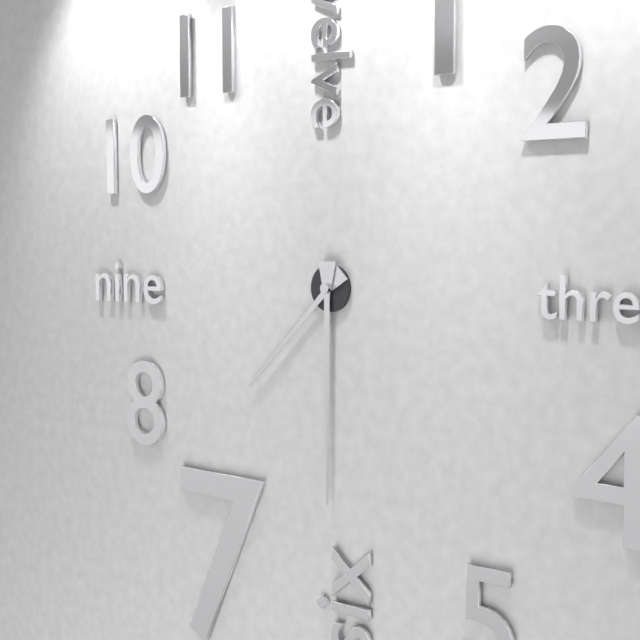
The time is **7:30**
